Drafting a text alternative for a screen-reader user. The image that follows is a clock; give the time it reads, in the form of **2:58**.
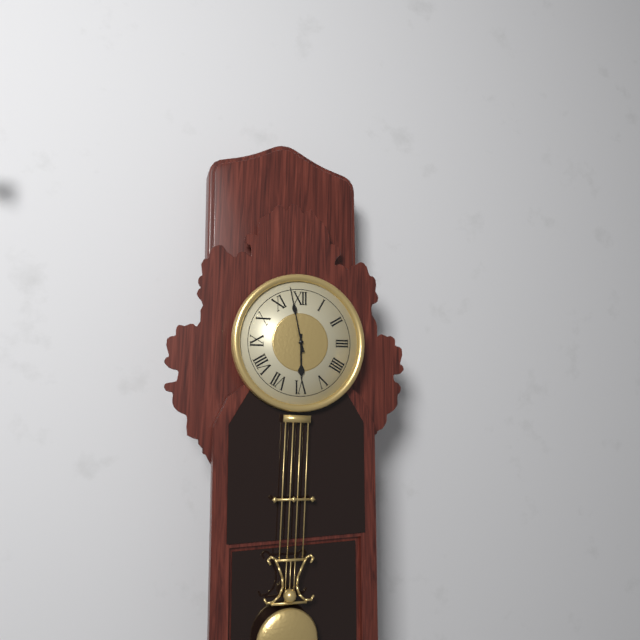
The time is **5:58**
